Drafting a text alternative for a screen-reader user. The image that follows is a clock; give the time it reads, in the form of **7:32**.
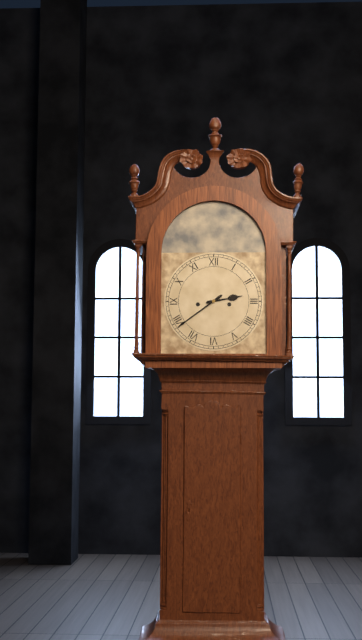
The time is **2:39**
